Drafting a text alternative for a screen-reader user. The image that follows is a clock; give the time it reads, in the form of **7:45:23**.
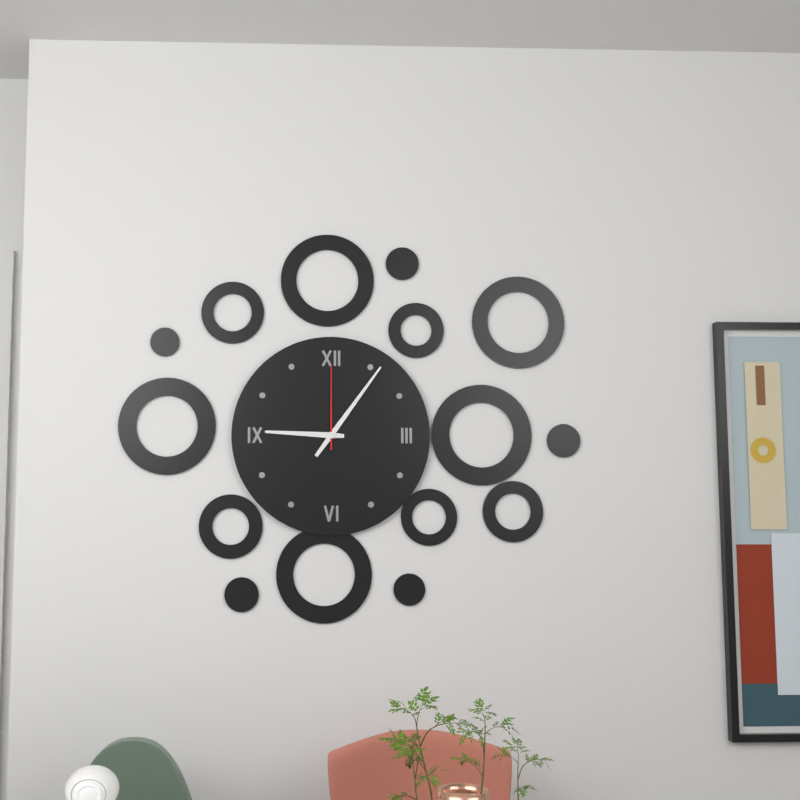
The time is **9:06:00**
